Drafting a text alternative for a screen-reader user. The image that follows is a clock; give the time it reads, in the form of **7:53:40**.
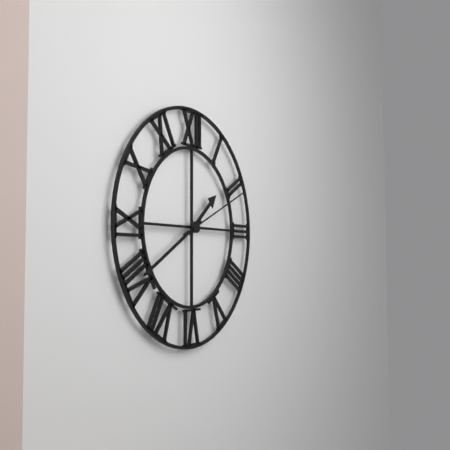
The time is **1:40:11**
